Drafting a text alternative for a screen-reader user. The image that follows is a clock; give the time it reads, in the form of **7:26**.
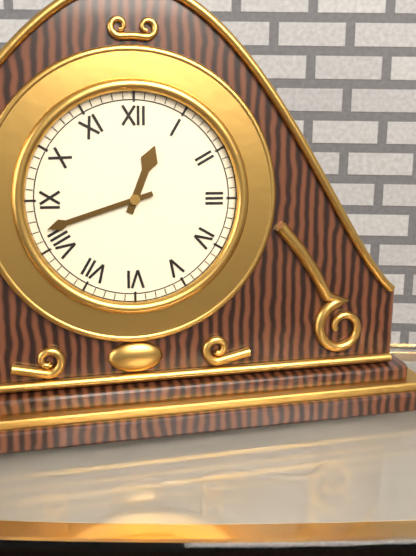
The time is **12:42**
